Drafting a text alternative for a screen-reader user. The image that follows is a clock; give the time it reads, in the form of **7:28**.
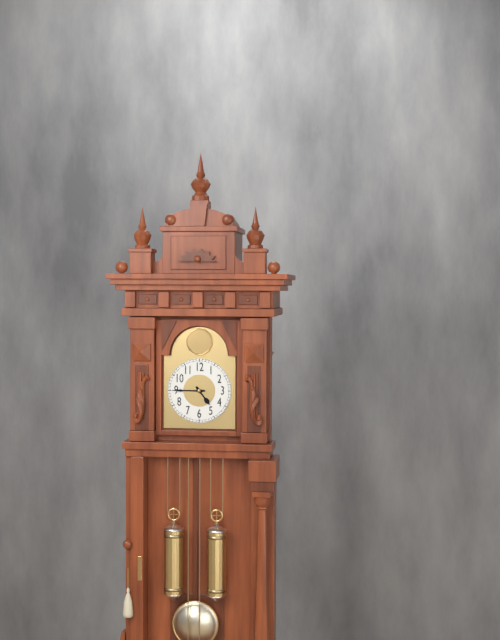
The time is **4:45**
